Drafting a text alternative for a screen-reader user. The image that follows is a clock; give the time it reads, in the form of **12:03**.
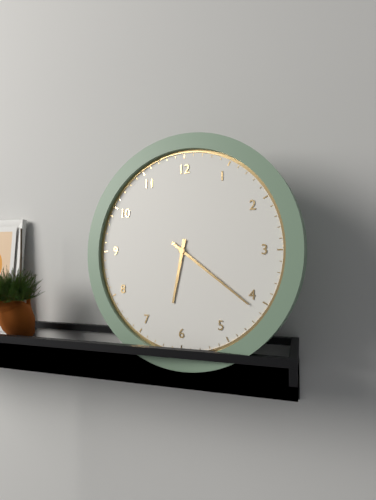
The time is **6:21**
